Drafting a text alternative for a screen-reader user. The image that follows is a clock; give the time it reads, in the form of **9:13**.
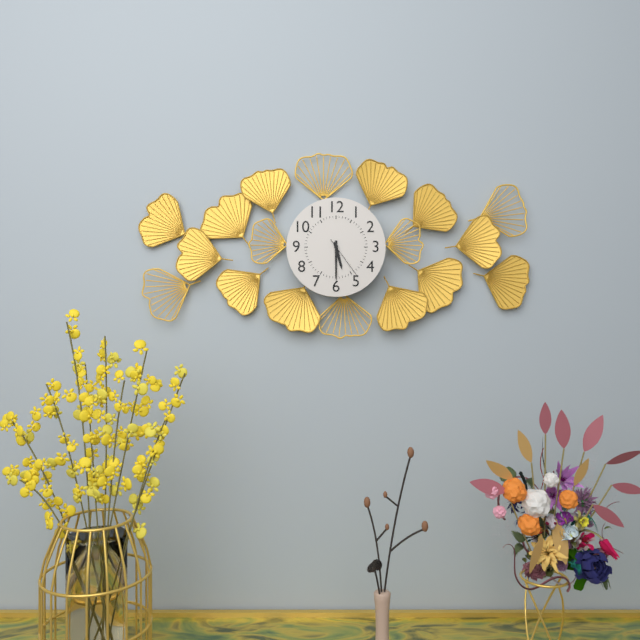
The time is **5:30**
